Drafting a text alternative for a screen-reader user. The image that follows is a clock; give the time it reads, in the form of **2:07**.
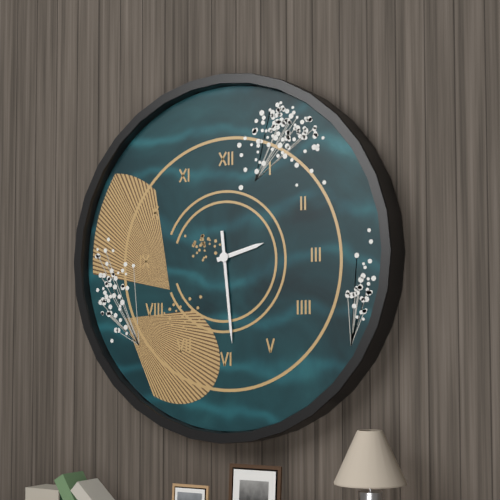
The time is **2:29**
